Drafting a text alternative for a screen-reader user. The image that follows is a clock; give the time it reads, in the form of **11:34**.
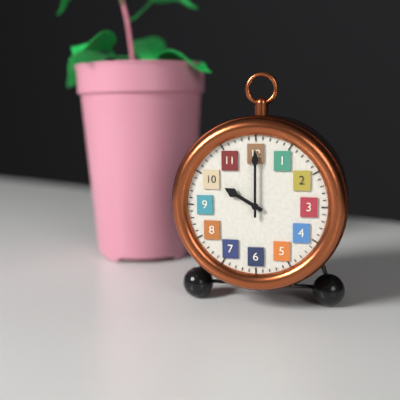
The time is **10:00**
